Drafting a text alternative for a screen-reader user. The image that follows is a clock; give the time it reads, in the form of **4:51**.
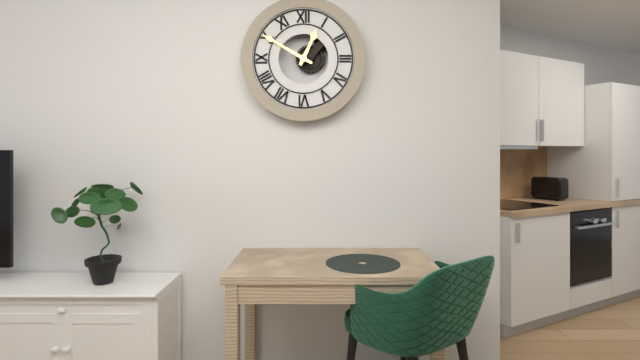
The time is **12:50**
